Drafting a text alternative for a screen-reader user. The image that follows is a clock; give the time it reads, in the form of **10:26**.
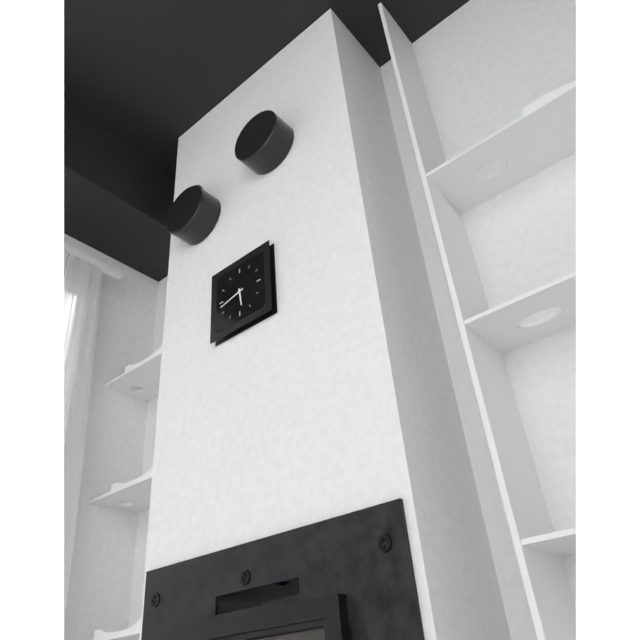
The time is **5:43**
